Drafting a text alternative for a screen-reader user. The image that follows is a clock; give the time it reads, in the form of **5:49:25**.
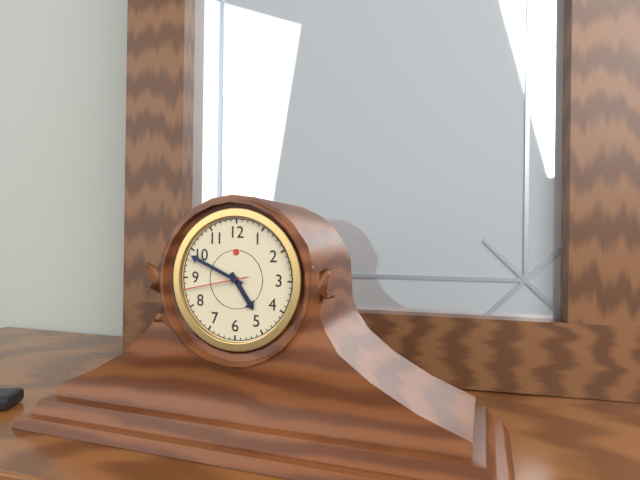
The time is **4:49:43**
